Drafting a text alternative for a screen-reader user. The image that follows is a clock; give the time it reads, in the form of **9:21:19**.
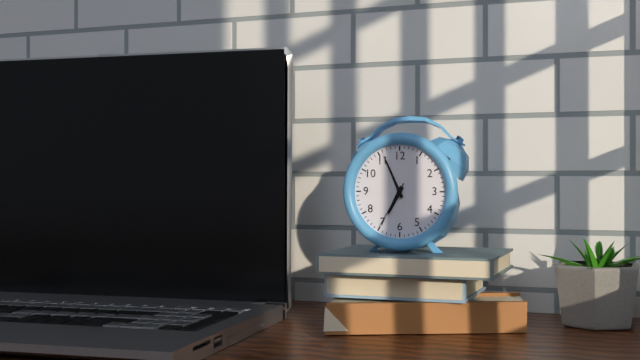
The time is **6:56:35**
